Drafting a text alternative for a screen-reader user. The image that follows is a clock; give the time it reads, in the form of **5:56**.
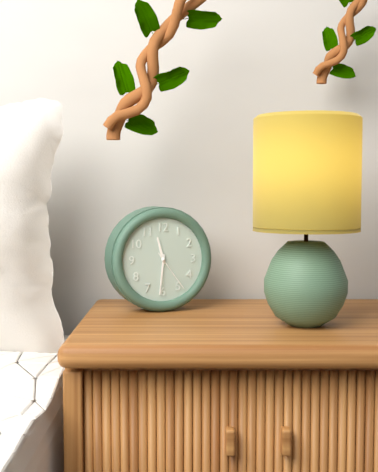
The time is **11:31**
